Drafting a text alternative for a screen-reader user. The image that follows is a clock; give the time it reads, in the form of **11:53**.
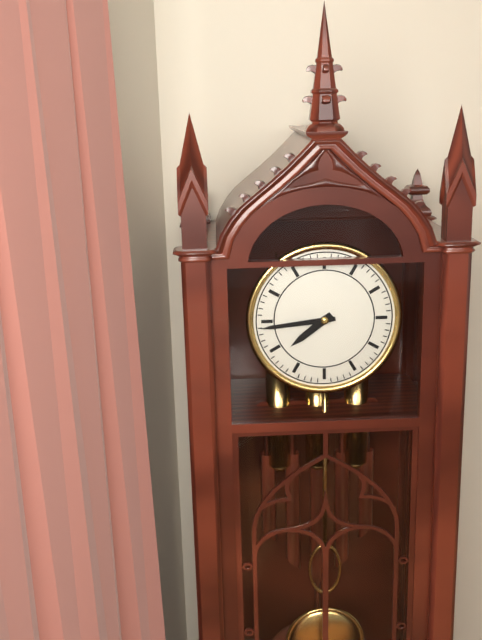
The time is **7:44**
